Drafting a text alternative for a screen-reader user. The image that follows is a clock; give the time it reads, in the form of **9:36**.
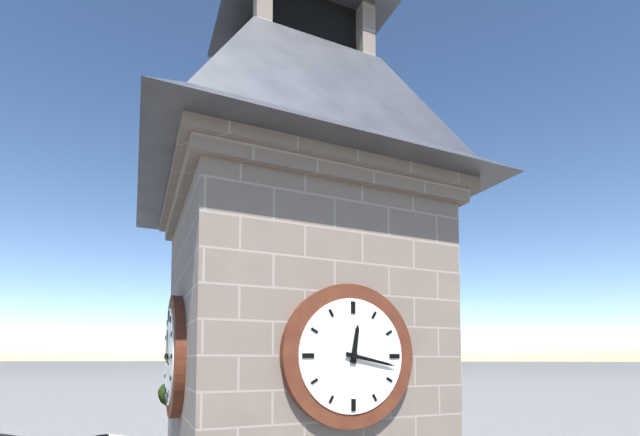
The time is **12:17**
